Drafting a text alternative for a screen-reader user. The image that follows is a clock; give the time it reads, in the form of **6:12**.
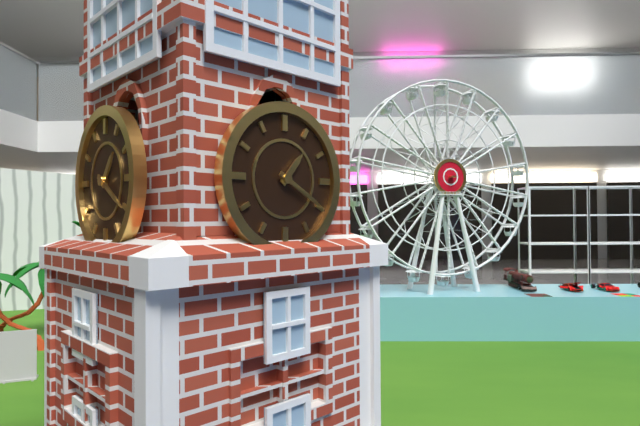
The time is **1:20**
